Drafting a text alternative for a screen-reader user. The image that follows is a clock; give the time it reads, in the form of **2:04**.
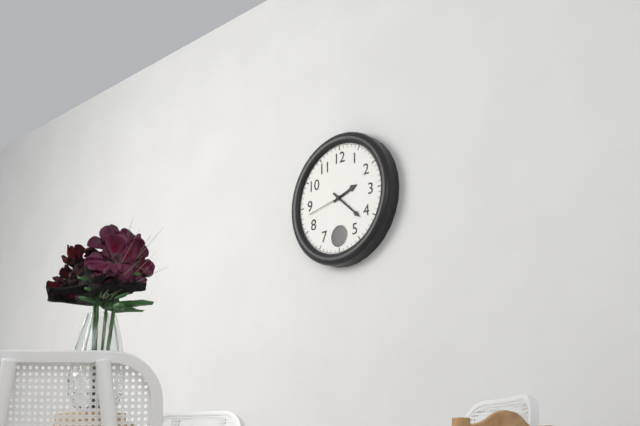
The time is **2:22**
